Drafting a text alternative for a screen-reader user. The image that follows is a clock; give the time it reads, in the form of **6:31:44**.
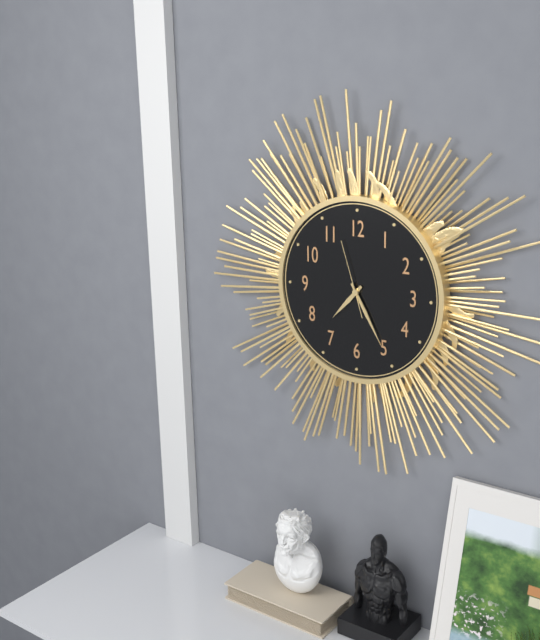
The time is **7:25:57**
